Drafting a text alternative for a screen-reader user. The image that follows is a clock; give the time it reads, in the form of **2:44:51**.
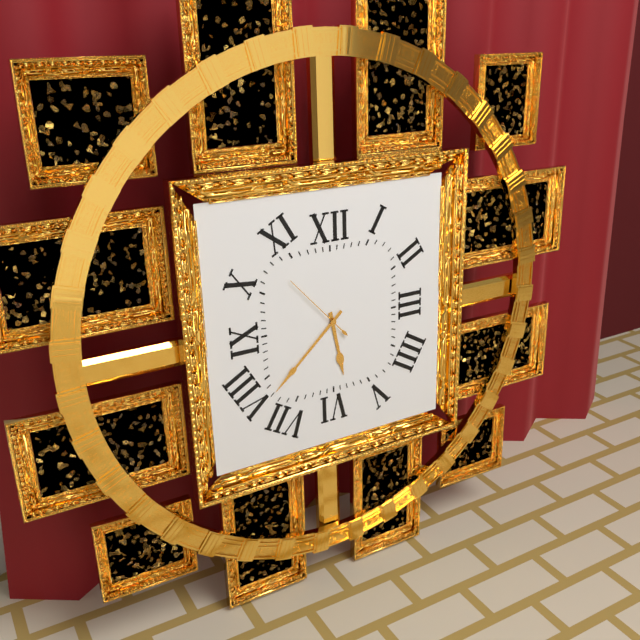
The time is **5:38:53**
